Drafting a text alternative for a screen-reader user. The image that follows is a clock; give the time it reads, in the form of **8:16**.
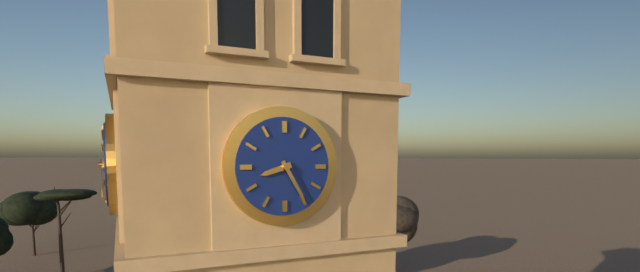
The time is **8:25**
